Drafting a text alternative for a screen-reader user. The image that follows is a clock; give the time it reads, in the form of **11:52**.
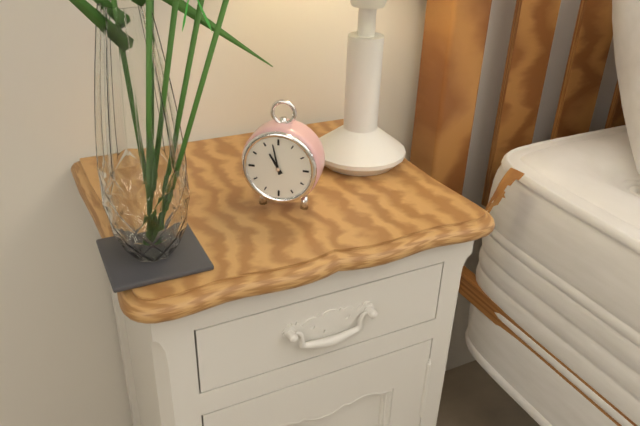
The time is **10:58**
